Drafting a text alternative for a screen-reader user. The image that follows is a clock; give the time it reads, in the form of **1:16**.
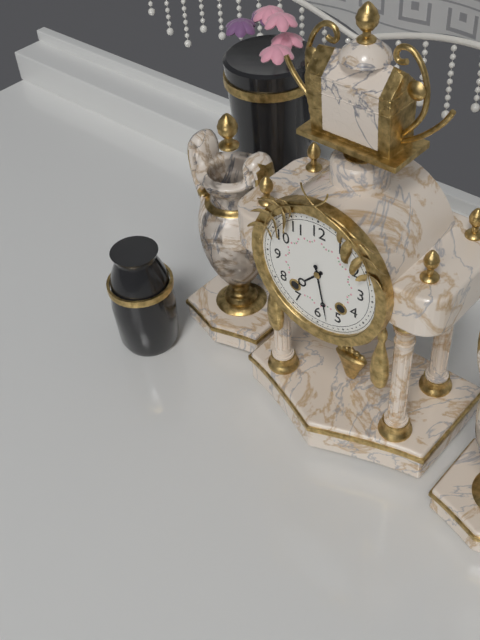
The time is **7:28**
